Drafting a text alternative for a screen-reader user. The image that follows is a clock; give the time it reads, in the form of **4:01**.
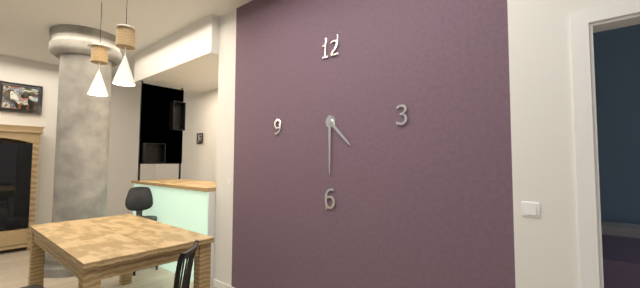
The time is **4:30**
